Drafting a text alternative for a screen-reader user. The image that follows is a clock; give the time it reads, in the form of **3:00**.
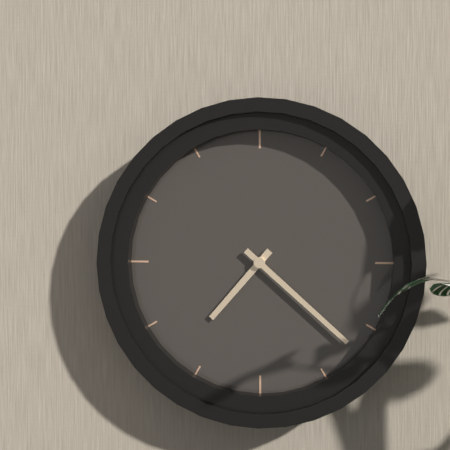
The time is **7:22**
